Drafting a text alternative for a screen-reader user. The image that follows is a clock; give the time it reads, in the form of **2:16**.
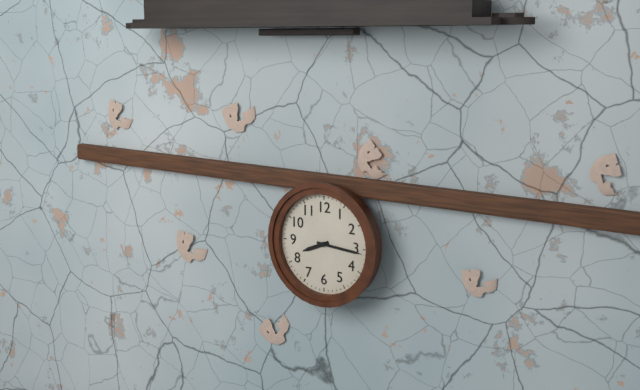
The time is **8:16**
